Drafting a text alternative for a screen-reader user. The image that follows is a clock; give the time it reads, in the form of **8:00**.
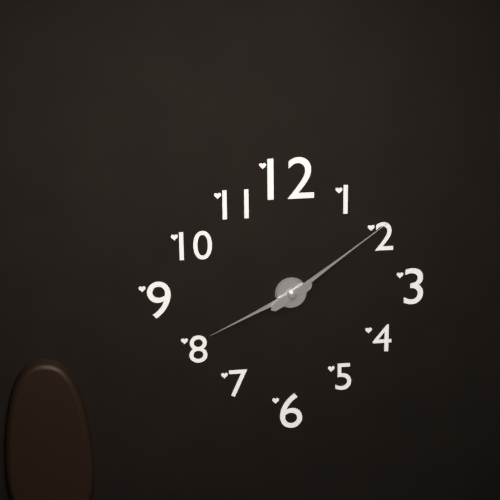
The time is **8:09**
